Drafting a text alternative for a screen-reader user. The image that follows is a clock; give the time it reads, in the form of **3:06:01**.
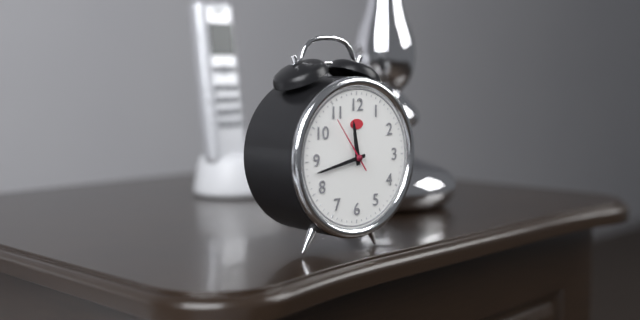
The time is **11:43:54**
